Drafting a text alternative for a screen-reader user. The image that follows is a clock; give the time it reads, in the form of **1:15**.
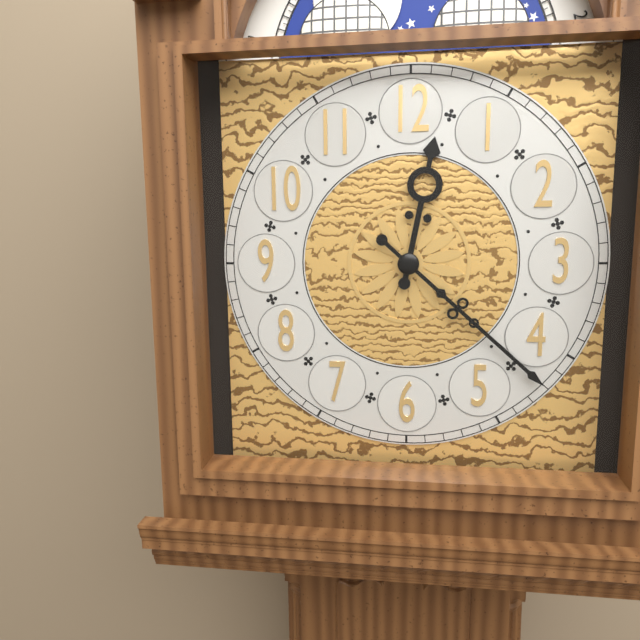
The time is **12:22**
